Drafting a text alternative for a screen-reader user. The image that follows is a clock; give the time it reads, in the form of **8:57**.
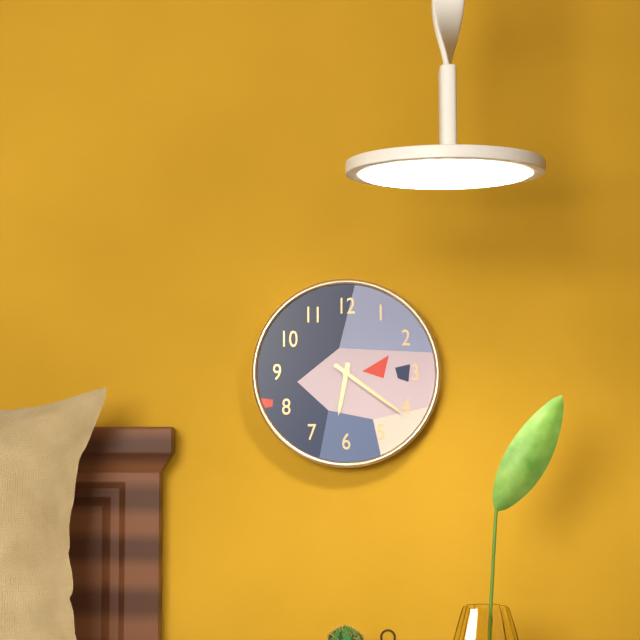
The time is **6:21**
